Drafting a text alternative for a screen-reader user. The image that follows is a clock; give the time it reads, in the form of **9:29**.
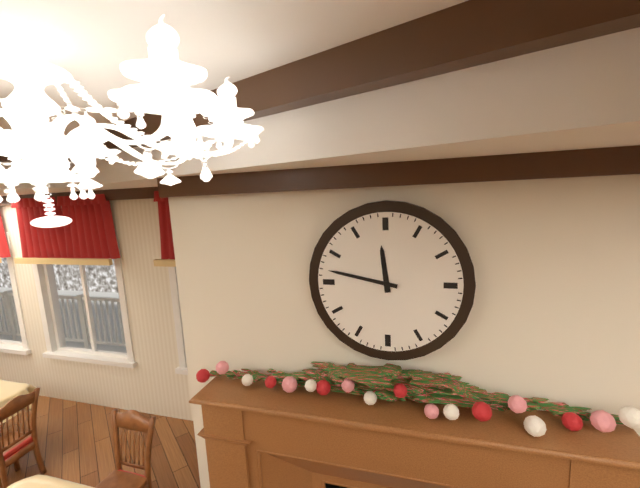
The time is **11:47**
